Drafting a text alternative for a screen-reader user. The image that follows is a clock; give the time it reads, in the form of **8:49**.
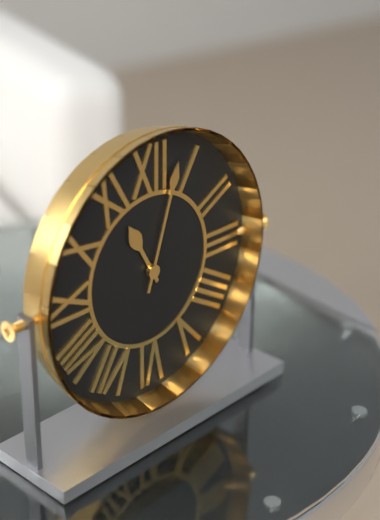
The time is **11:03**
